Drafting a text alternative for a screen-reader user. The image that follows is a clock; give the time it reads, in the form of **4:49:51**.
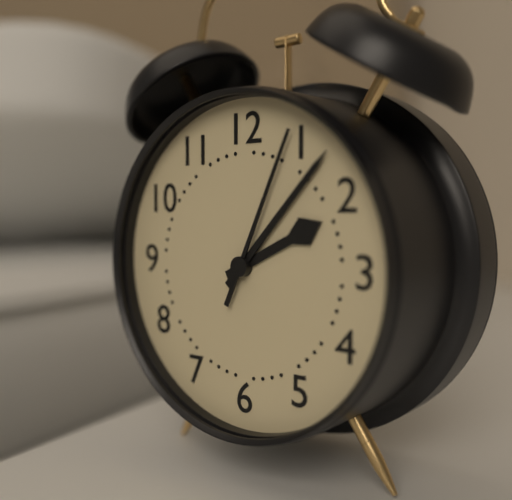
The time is **2:07:04**
